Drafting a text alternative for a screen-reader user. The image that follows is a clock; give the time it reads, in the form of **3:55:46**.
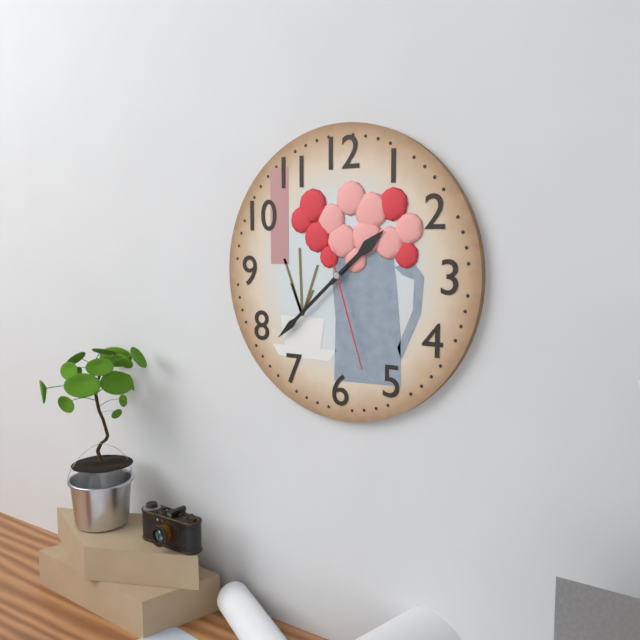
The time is **1:38:27**
